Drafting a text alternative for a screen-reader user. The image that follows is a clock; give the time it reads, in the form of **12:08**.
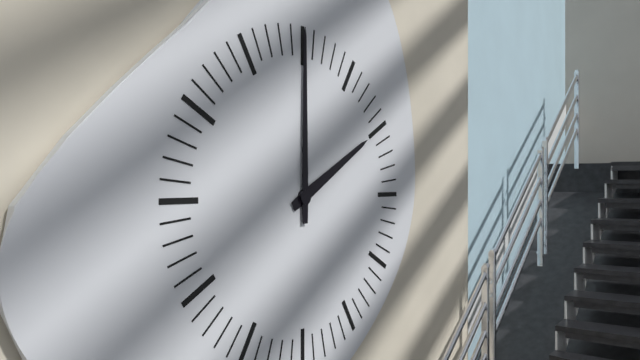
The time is **2:00**
